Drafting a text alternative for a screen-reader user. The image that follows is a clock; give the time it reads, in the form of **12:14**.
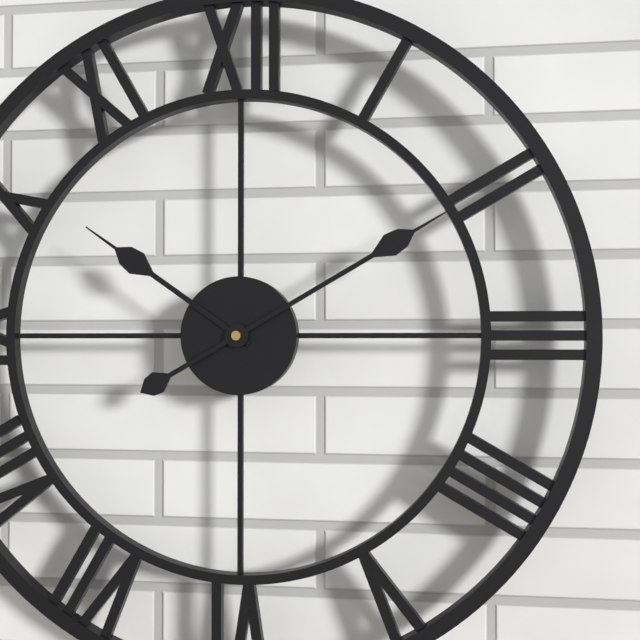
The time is **10:10**
